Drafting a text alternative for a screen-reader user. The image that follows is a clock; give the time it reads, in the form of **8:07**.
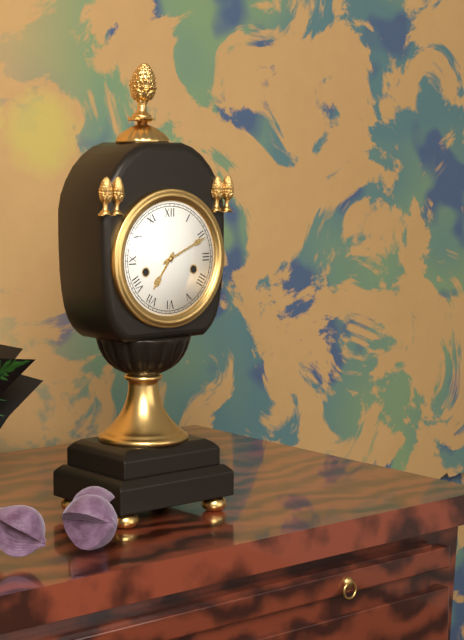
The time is **7:11**
